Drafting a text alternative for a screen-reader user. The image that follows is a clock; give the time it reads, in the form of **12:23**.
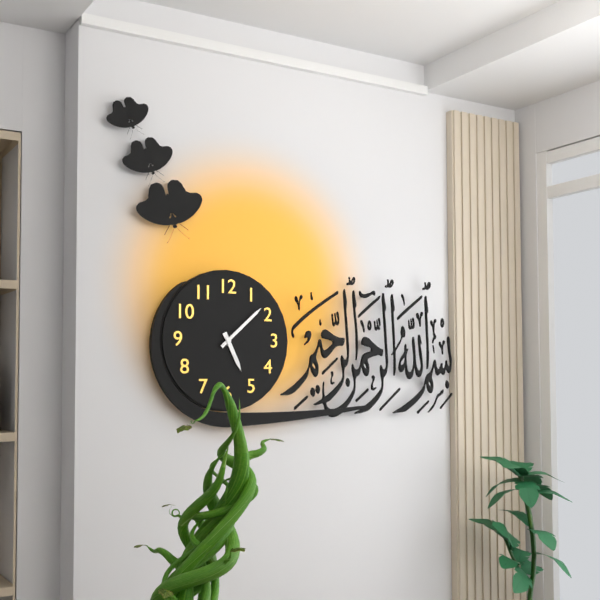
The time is **5:08**
